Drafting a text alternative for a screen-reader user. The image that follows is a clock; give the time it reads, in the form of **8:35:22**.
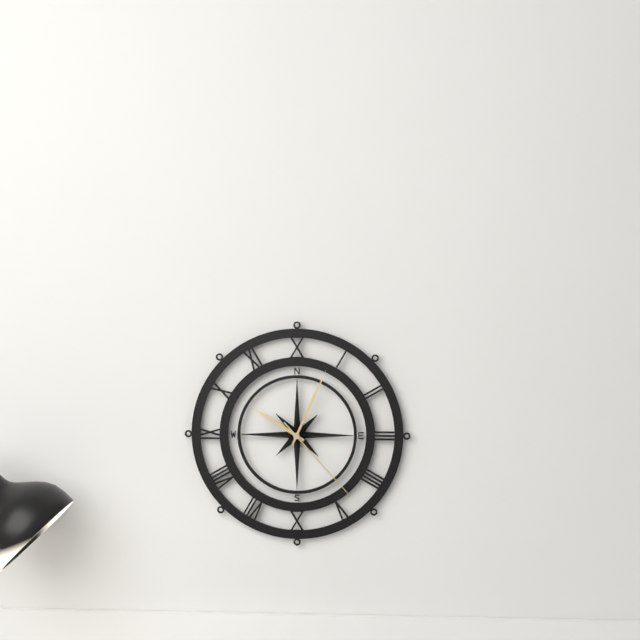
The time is **10:04:23**
